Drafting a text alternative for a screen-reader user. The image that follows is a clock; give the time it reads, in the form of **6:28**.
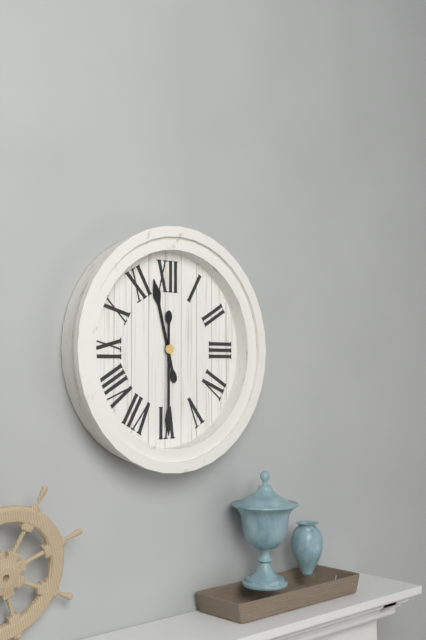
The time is **11:30**
